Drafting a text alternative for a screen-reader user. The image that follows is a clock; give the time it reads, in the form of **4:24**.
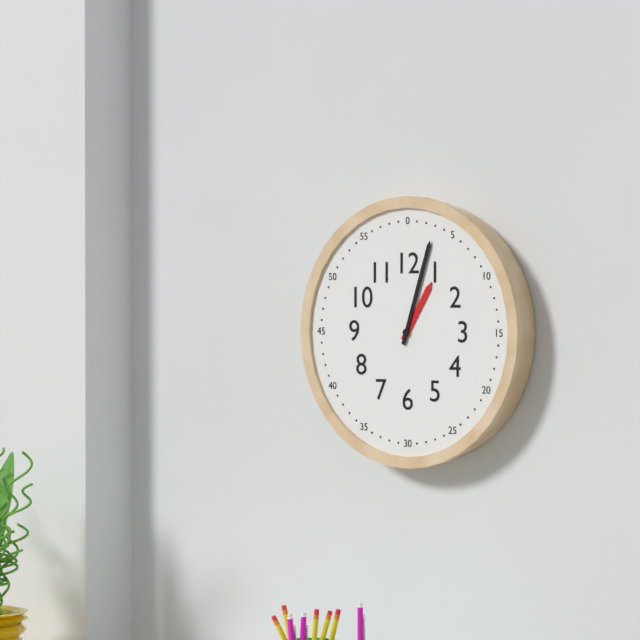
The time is **1:03**
